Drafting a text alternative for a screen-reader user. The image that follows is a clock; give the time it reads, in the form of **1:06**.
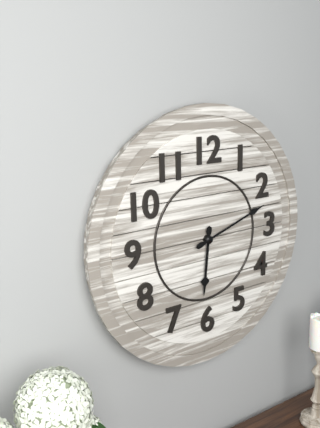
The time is **6:12**
